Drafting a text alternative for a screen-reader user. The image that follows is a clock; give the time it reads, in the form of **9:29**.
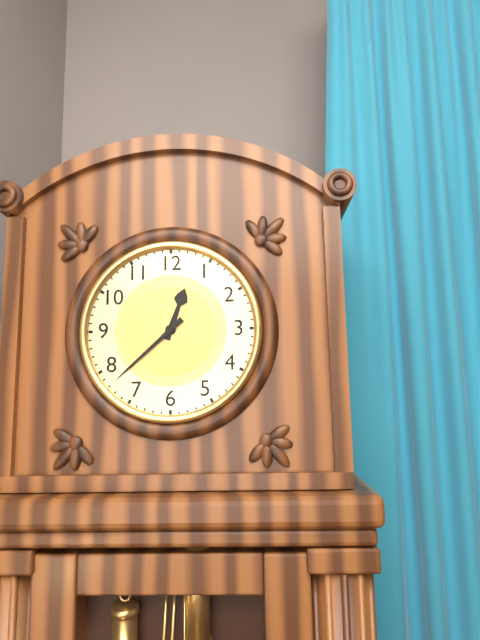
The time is **12:38**
